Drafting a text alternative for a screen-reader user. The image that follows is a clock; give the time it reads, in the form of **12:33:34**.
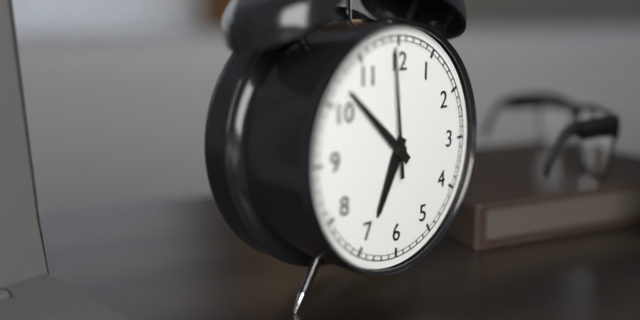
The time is **6:52:59**
